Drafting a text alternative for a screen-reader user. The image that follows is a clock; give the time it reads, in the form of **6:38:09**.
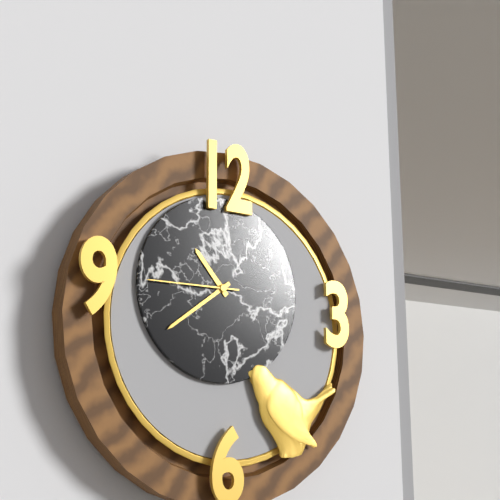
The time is **10:39:45**
